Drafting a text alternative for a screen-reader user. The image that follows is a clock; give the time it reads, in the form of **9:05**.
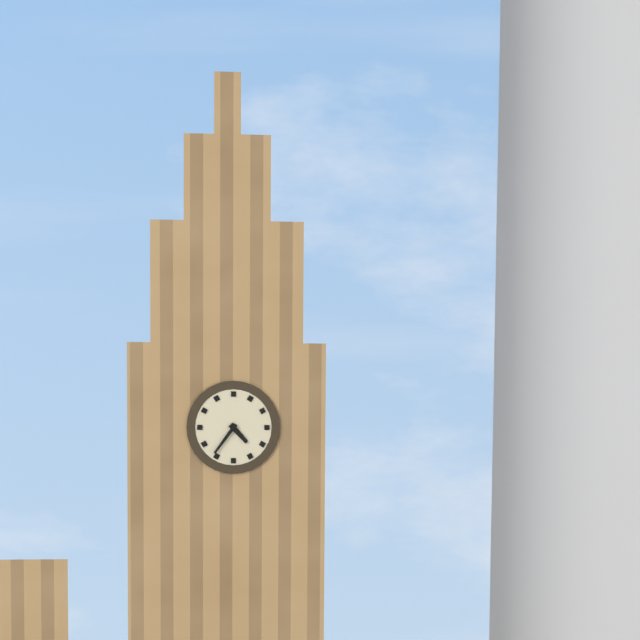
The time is **4:36**
